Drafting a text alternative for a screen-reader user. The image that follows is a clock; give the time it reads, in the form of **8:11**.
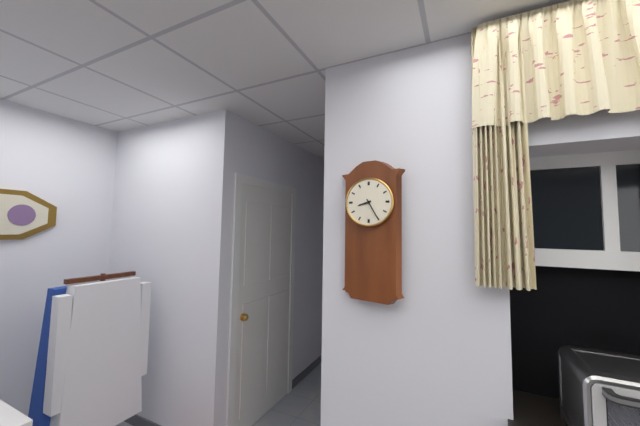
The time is **8:25**
